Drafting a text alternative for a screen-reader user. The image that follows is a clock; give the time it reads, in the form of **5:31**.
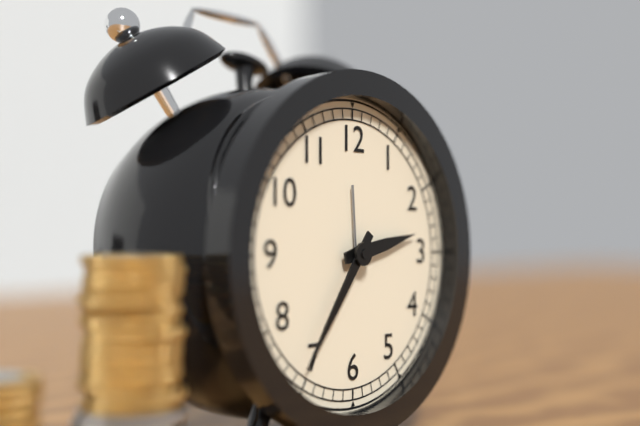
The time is **2:36**
